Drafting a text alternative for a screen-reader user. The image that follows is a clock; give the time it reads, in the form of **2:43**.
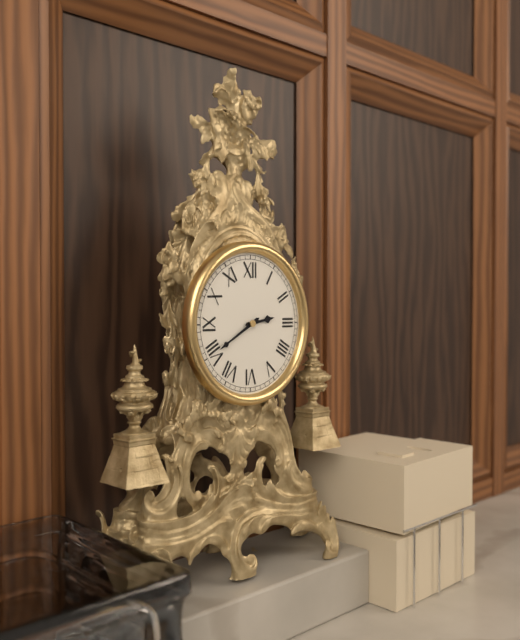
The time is **2:40**
